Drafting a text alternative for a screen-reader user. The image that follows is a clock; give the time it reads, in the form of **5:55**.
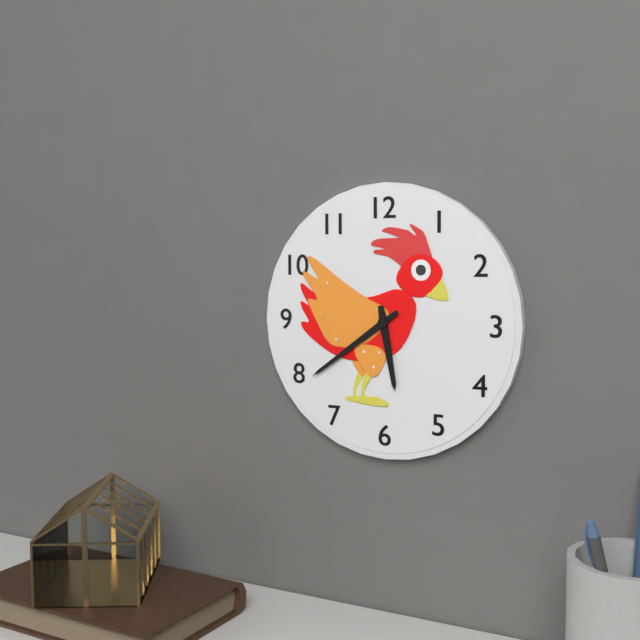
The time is **5:39**
